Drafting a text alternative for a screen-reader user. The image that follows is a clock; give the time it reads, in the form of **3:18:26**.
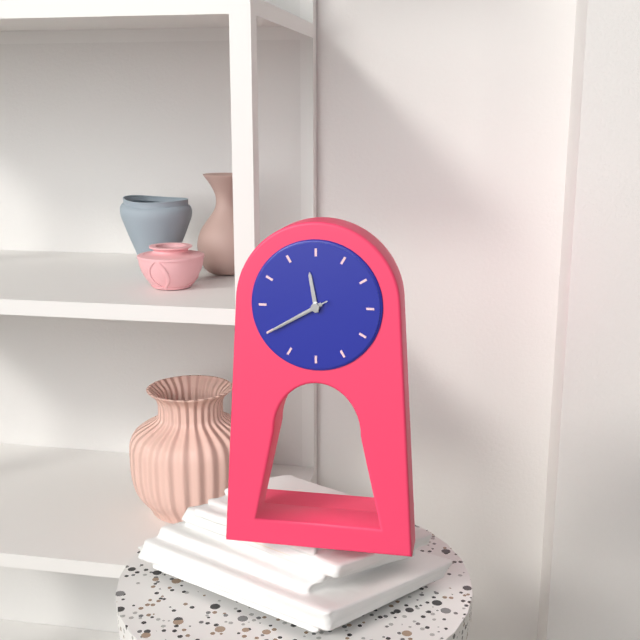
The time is **11:40:40**
